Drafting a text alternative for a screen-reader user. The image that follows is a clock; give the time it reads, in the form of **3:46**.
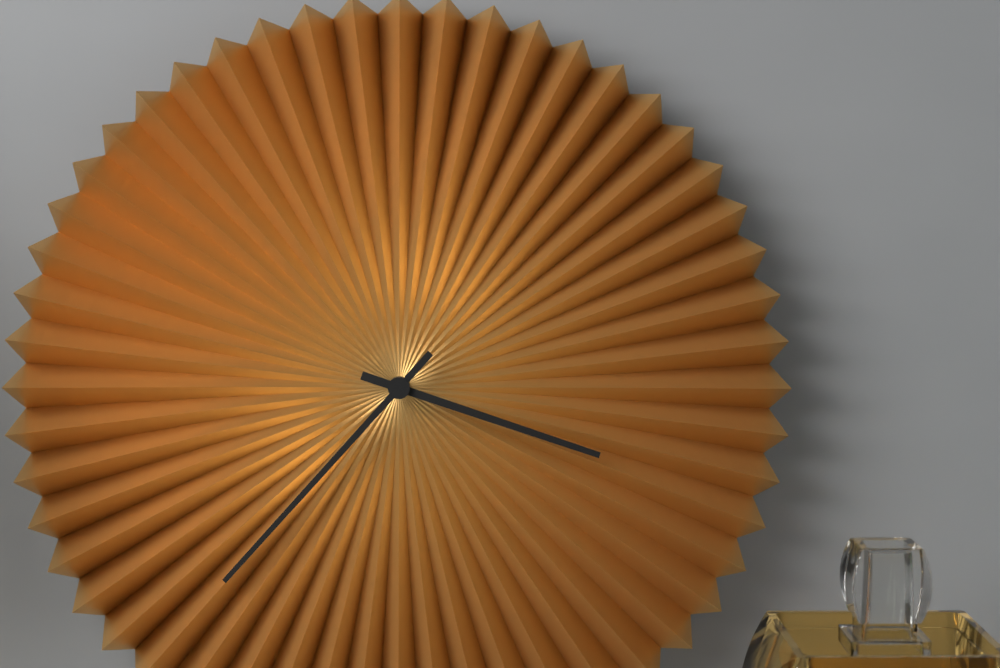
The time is **3:37**
